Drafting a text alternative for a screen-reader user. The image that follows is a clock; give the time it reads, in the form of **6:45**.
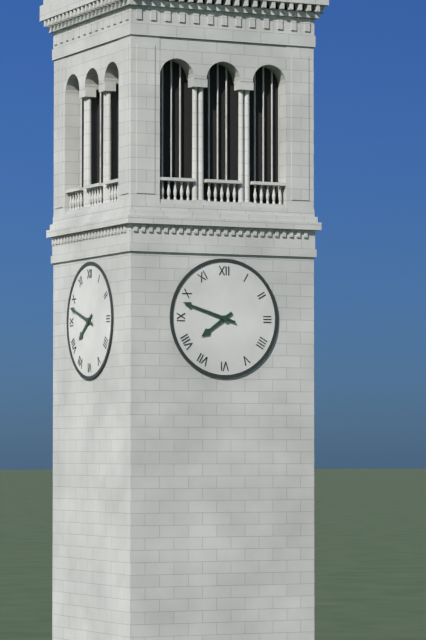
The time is **7:48**
